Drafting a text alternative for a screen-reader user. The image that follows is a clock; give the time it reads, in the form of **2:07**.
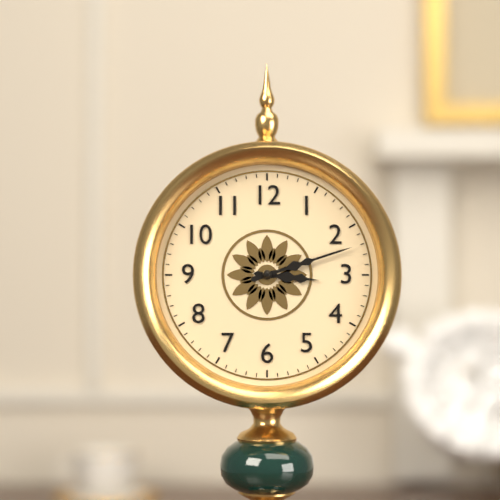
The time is **3:12**
